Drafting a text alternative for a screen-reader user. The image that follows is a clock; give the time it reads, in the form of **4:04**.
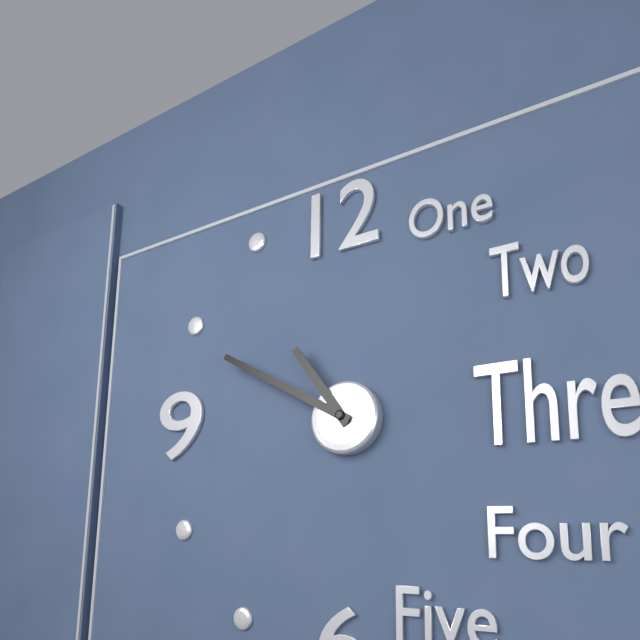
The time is **10:50**
